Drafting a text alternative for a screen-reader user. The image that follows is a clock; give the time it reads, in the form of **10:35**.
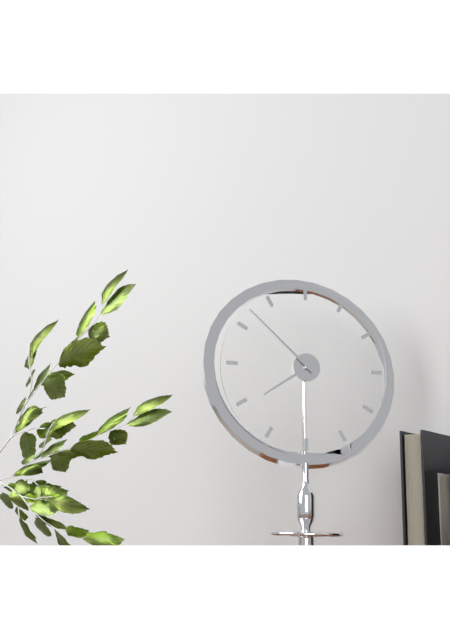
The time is **7:52**
